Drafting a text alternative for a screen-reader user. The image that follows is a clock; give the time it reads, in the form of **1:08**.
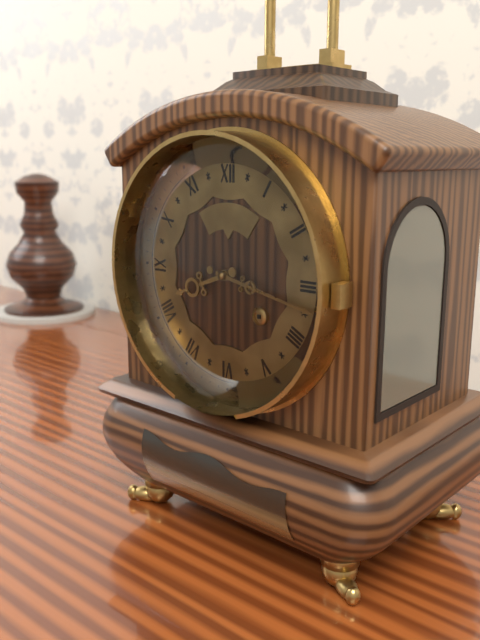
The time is **8:17**
